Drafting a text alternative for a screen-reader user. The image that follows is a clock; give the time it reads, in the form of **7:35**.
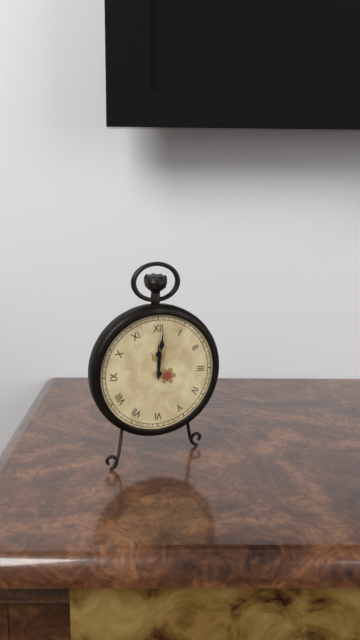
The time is **12:01**
